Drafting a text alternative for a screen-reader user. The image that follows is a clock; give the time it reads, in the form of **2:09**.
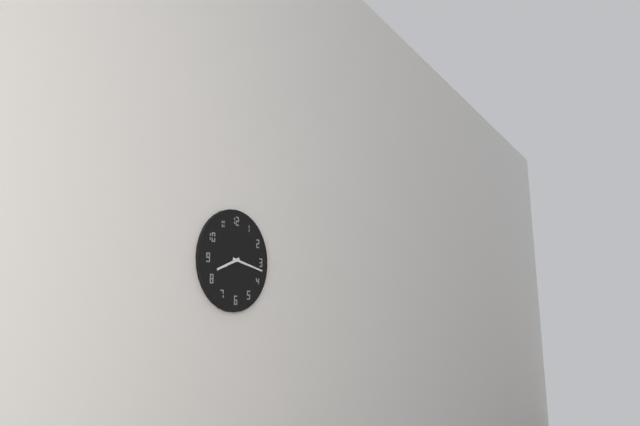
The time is **8:17**
